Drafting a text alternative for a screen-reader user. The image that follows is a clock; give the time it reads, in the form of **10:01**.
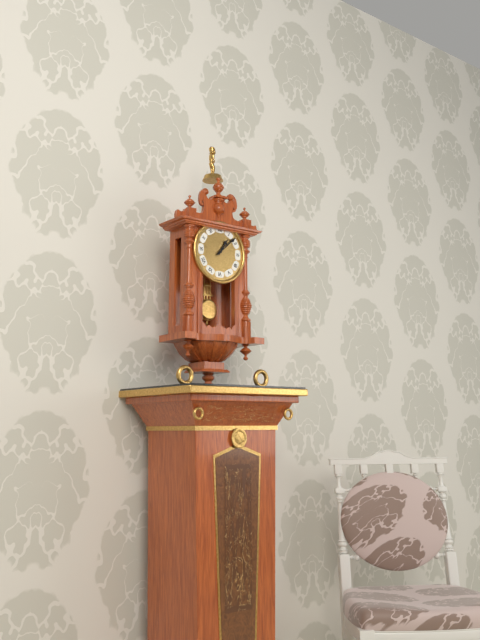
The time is **1:08**
